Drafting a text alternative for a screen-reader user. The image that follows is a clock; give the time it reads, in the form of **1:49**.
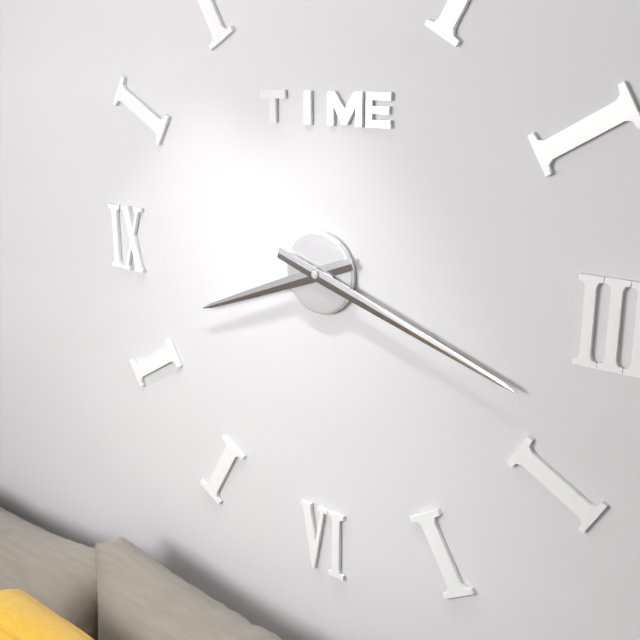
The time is **8:18**
